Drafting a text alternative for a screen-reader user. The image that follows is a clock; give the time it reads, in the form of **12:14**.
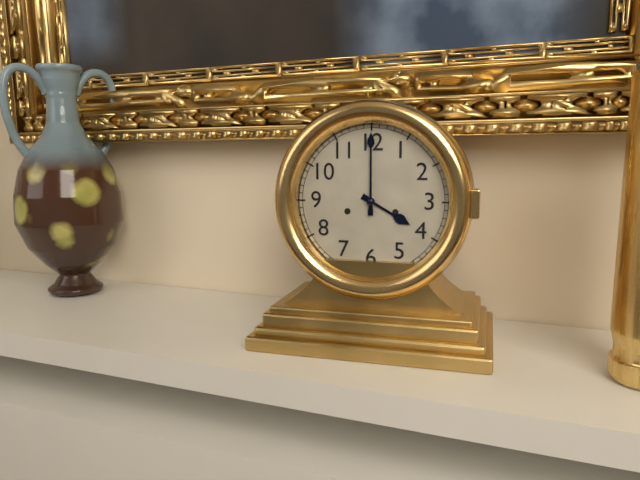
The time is **4:00**
